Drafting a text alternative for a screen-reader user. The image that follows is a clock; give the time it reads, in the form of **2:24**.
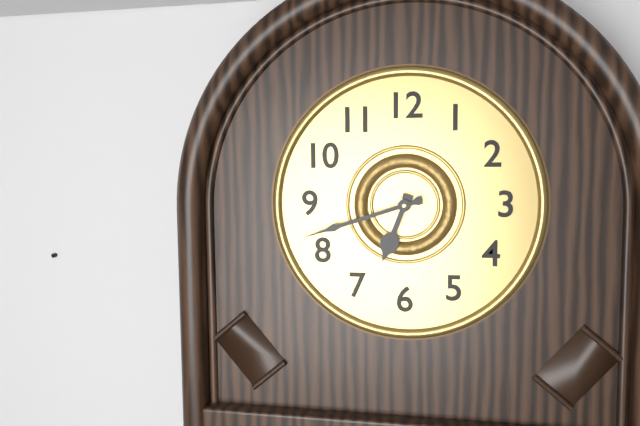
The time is **6:42**
